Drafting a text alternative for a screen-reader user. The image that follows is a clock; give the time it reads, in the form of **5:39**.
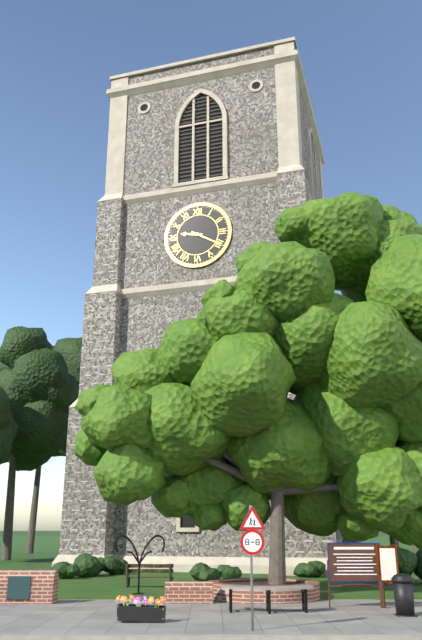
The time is **9:20**
